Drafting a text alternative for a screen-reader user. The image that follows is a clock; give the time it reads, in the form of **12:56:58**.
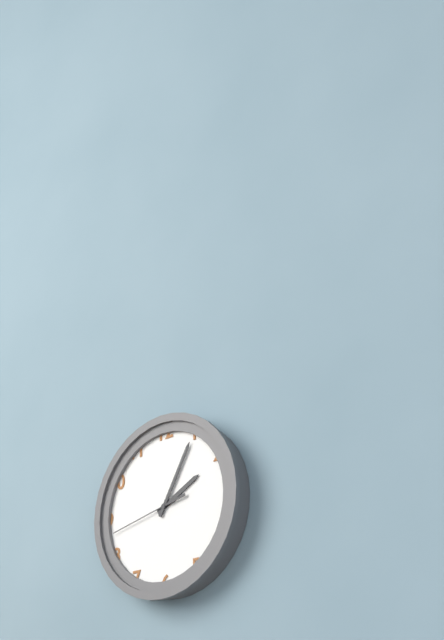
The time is **2:05:43**
